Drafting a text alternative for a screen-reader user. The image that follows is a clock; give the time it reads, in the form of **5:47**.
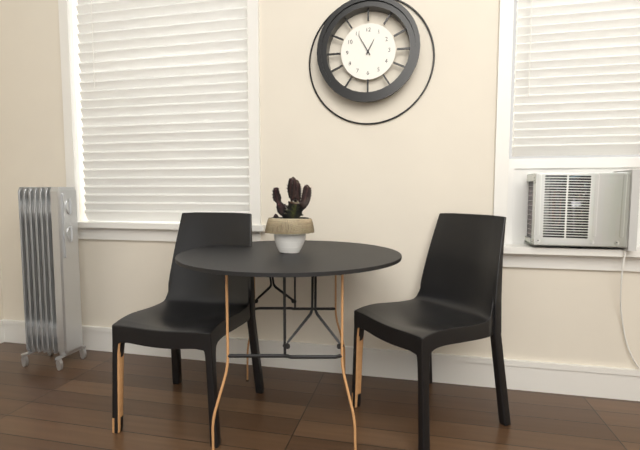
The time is **12:55**
